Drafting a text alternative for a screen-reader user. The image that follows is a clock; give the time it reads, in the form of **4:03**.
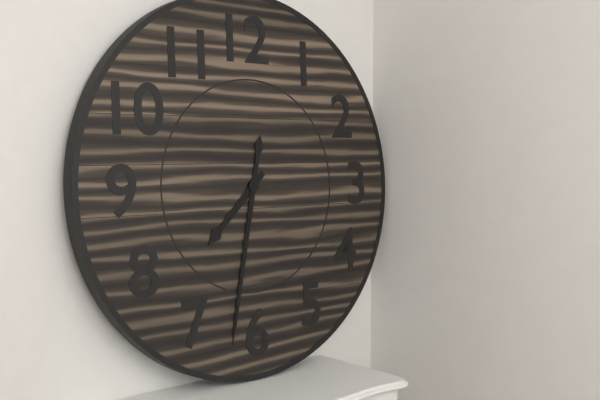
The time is **7:32**
